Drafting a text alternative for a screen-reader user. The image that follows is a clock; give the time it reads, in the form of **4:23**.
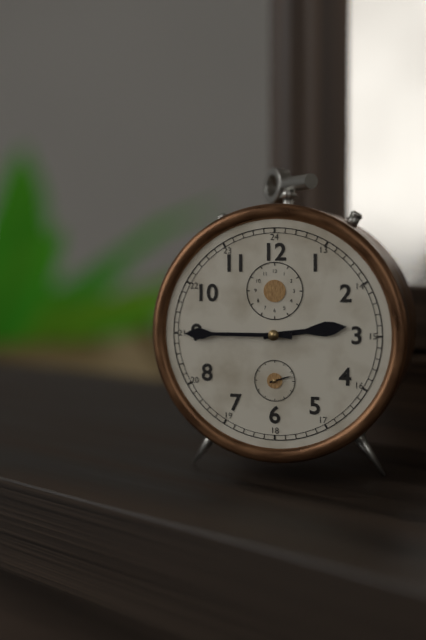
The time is **2:45**
